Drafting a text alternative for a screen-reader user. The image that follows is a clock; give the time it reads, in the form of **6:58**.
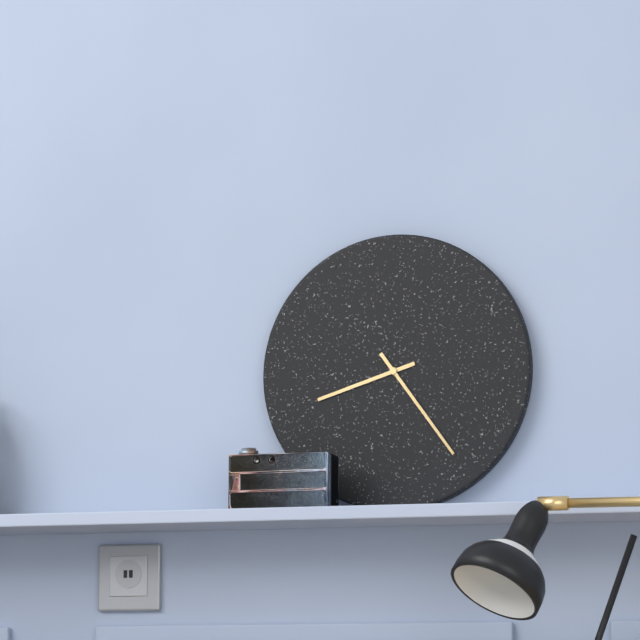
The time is **8:24**
